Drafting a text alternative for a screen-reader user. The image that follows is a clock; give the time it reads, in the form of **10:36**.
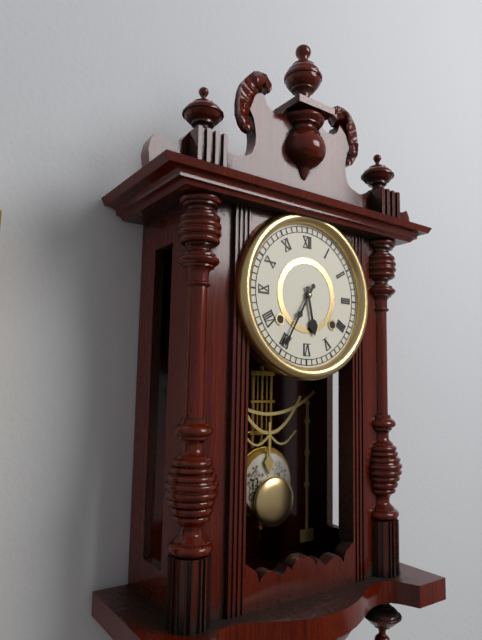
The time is **5:35**
